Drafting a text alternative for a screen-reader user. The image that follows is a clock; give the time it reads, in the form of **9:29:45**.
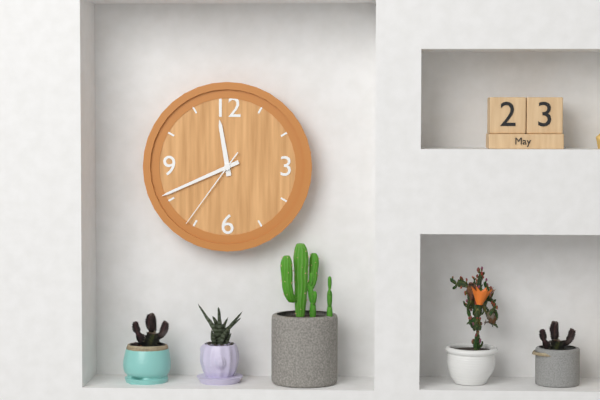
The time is **11:41:36**
